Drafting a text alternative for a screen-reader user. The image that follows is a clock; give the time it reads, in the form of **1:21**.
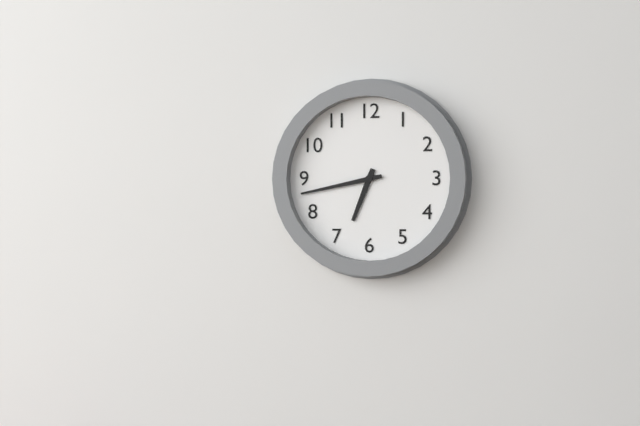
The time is **6:43**
